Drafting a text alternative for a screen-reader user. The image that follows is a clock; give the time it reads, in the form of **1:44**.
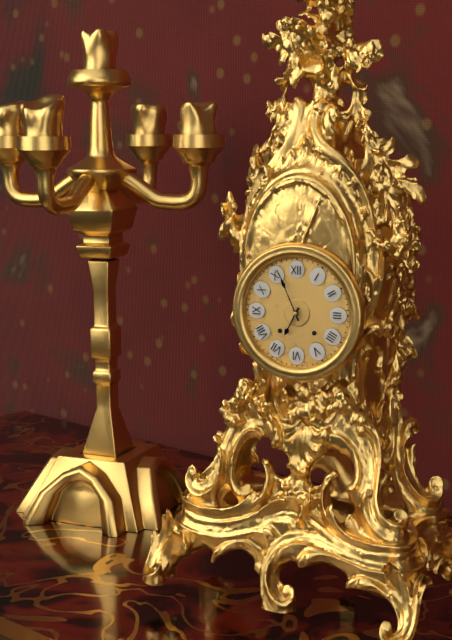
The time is **6:56**
